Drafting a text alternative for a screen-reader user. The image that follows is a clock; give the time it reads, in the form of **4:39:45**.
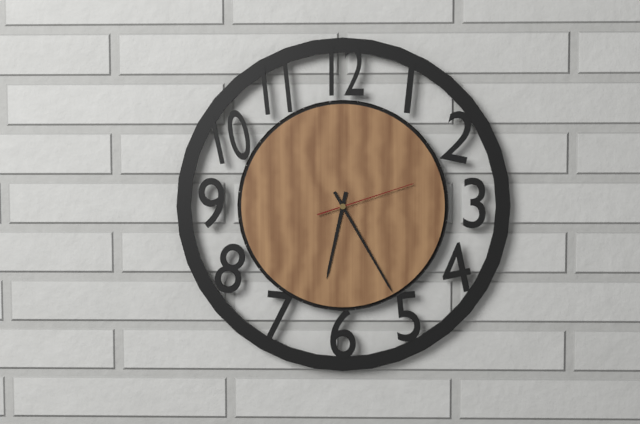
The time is **6:25:12**
